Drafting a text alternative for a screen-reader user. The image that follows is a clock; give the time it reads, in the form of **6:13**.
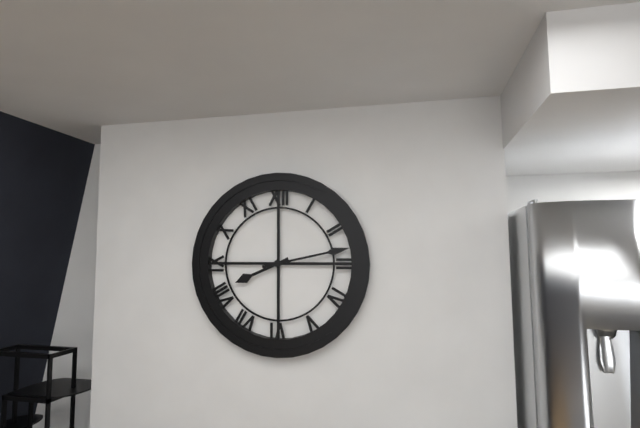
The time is **8:13**
